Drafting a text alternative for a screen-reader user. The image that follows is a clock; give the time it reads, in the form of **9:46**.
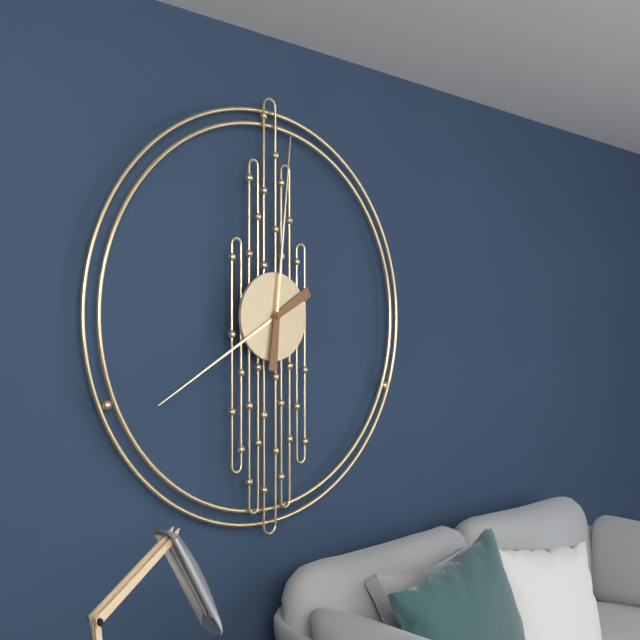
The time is **8:01**
